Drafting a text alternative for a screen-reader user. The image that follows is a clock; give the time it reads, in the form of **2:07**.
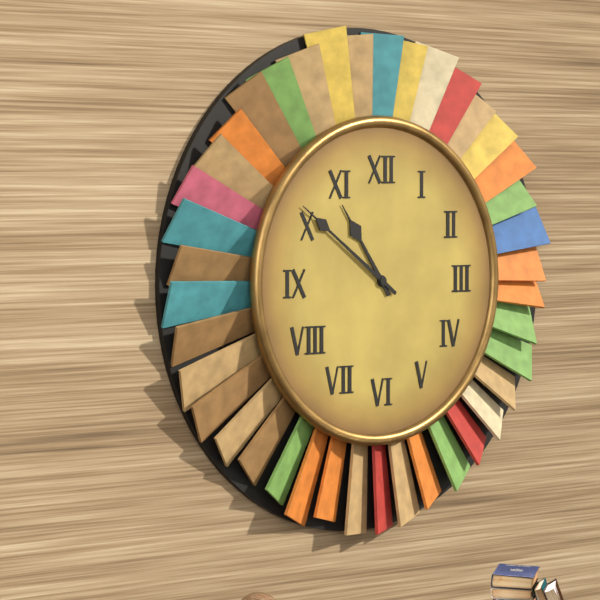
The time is **10:51**
